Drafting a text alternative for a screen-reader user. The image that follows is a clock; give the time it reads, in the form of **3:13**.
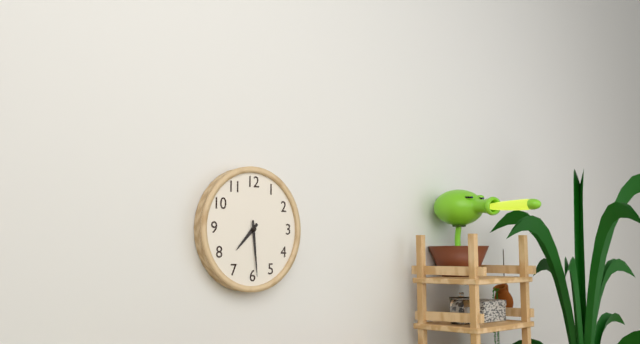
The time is **7:29**
